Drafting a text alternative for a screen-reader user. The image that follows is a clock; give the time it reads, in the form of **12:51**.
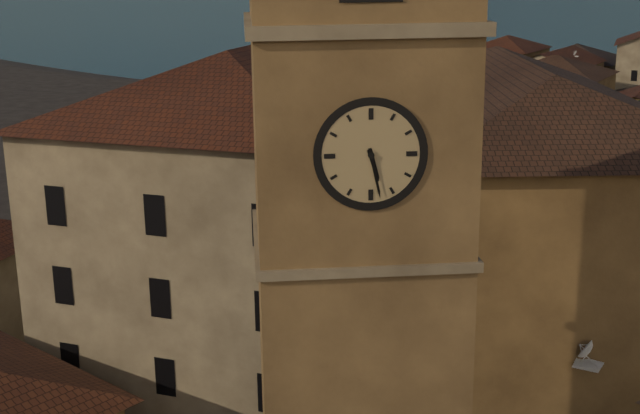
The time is **5:28**
